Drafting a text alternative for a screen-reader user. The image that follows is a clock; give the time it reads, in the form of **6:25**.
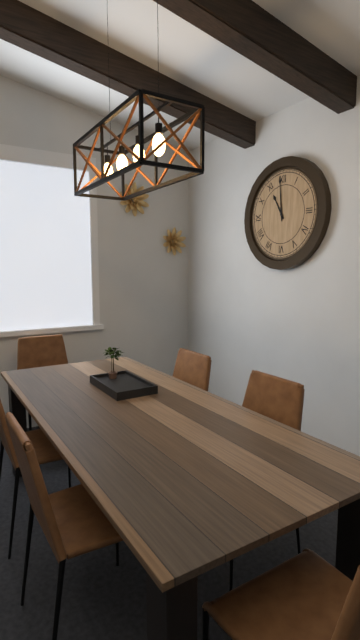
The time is **10:59**
